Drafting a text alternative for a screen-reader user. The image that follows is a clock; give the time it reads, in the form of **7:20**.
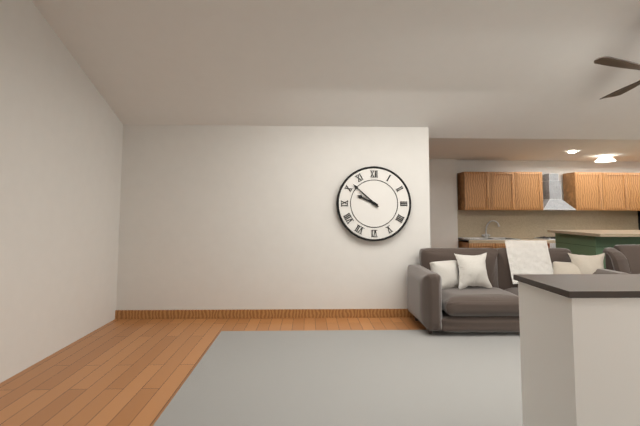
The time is **9:52**
